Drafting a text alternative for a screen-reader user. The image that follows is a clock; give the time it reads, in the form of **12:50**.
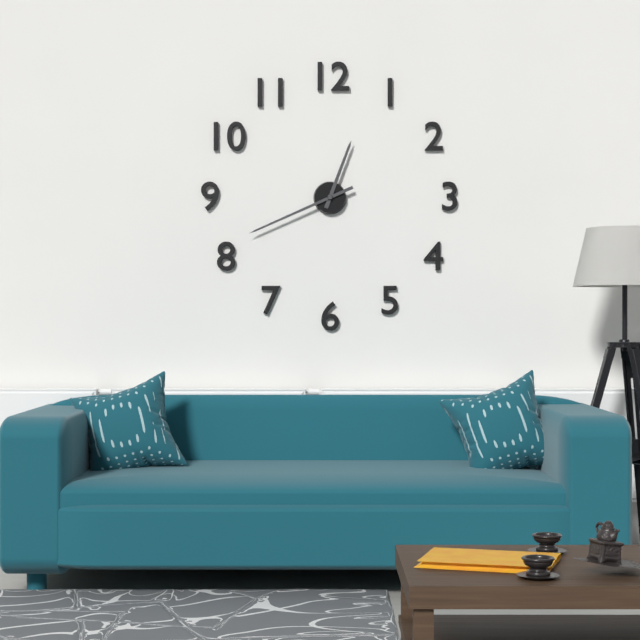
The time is **12:41**
